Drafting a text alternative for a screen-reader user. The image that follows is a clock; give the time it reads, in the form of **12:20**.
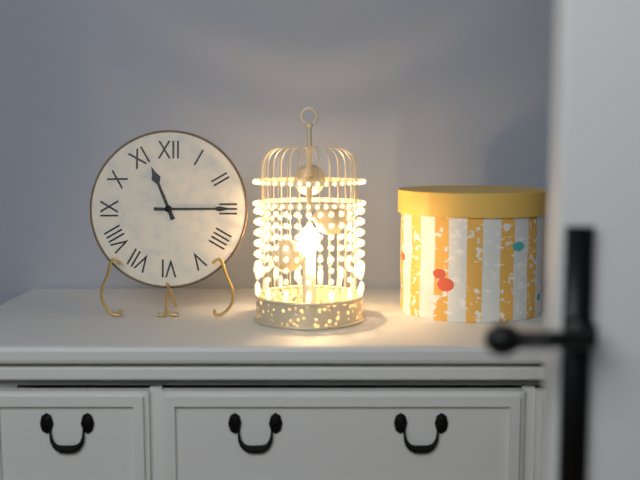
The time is **11:15**
